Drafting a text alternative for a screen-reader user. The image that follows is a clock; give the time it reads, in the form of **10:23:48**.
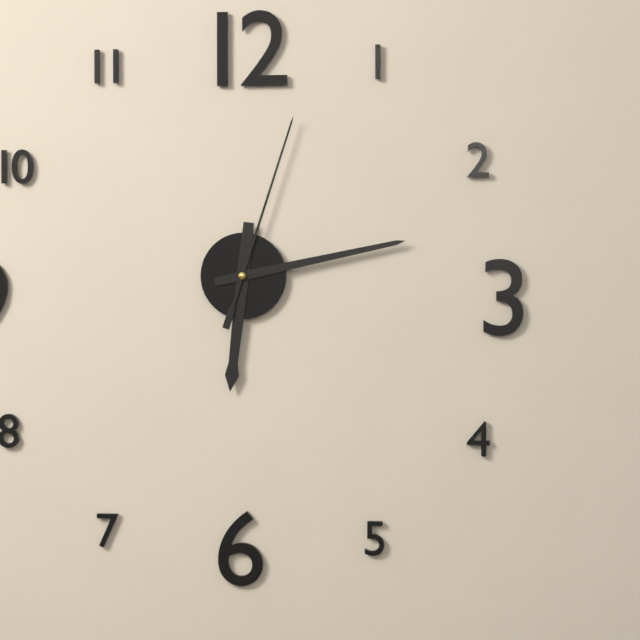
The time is **6:13:03**
